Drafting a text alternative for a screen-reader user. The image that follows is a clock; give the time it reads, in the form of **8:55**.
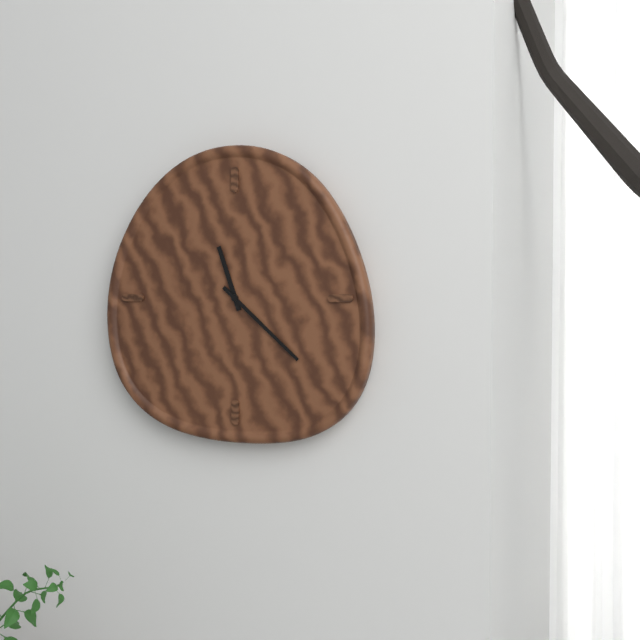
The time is **11:22**
